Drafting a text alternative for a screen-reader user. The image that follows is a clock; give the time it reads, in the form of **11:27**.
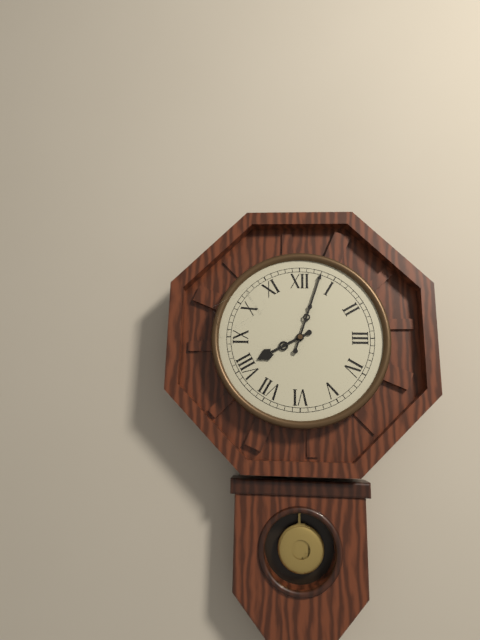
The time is **8:03**
